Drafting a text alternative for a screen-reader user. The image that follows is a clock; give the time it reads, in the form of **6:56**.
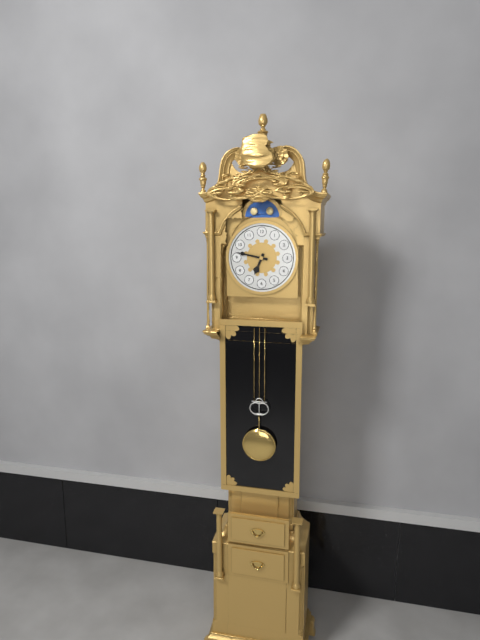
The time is **6:47**
